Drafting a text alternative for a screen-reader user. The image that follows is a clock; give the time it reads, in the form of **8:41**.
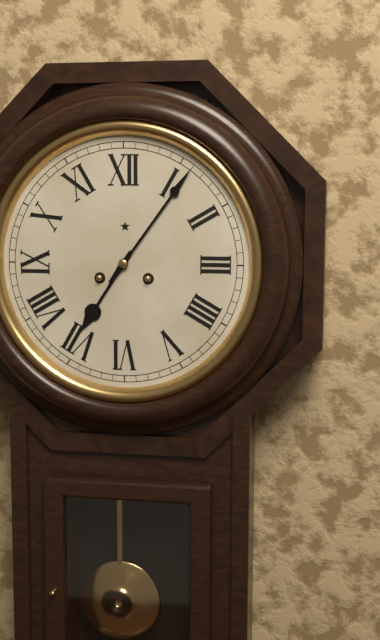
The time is **7:06**
